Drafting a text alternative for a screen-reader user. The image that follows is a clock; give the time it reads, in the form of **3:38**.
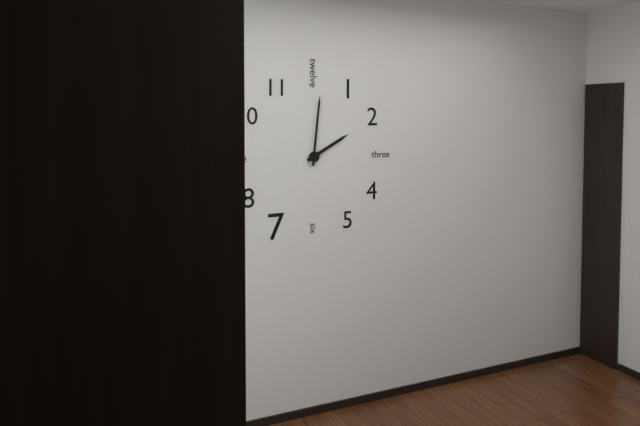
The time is **2:01**
